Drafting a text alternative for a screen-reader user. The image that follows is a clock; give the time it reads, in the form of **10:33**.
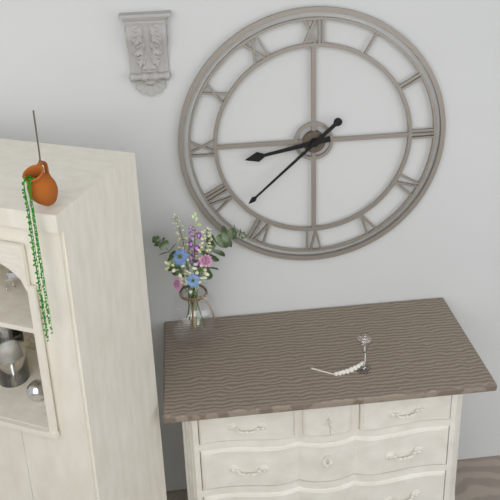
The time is **8:38**
